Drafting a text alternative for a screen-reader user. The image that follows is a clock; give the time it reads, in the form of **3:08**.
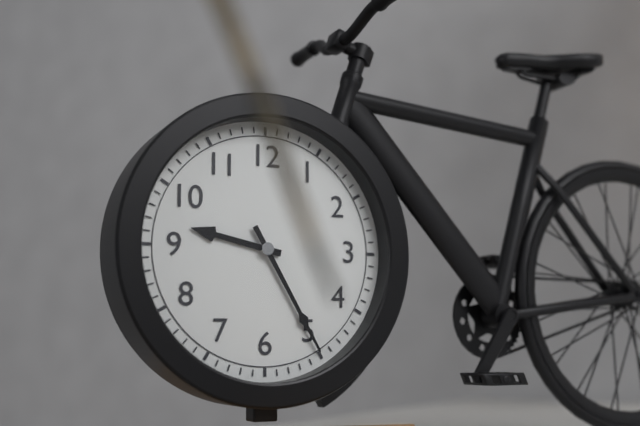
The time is **9:25**
